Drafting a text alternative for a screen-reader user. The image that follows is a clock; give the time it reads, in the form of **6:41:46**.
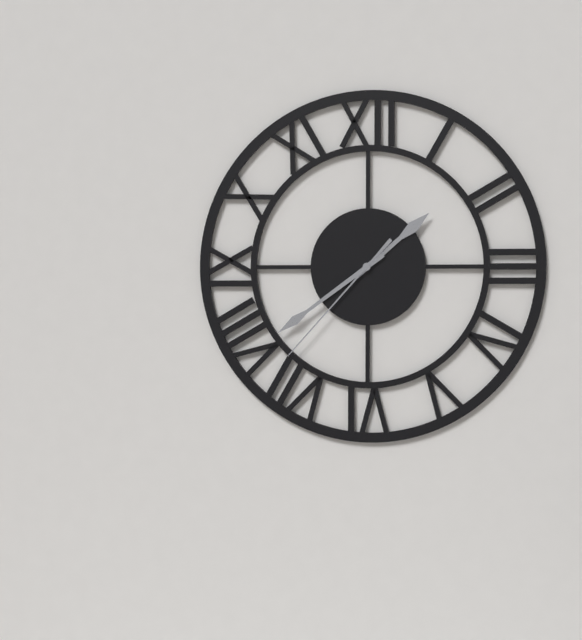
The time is **1:39:37**
